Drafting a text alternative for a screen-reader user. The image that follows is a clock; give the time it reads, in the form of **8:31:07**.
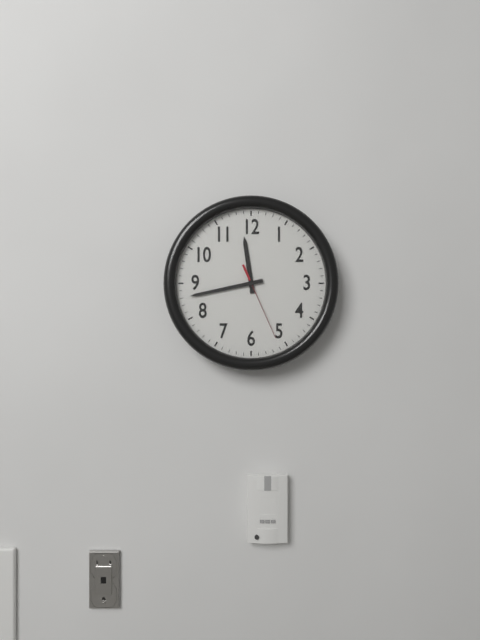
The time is **11:43:26**
